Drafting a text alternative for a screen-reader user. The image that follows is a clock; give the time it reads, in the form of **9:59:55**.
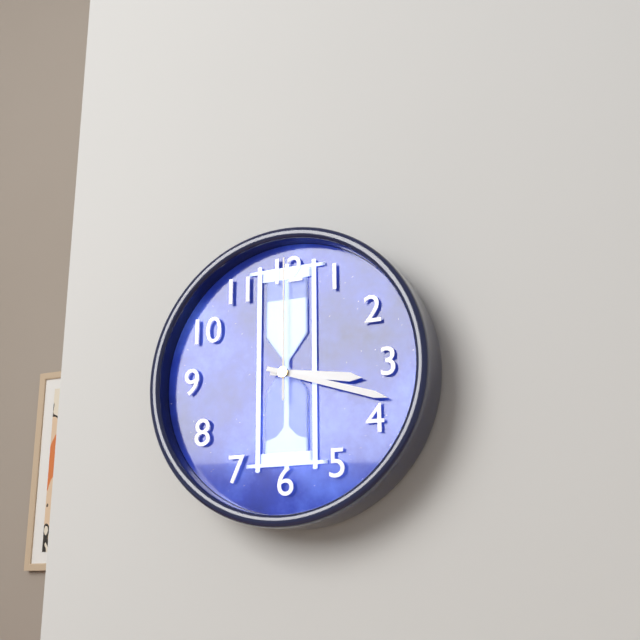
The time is **3:18:00**
